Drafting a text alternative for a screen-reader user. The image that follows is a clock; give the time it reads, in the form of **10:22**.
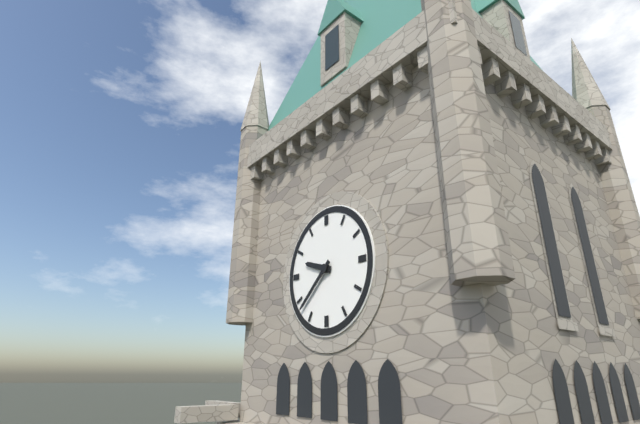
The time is **9:38**
